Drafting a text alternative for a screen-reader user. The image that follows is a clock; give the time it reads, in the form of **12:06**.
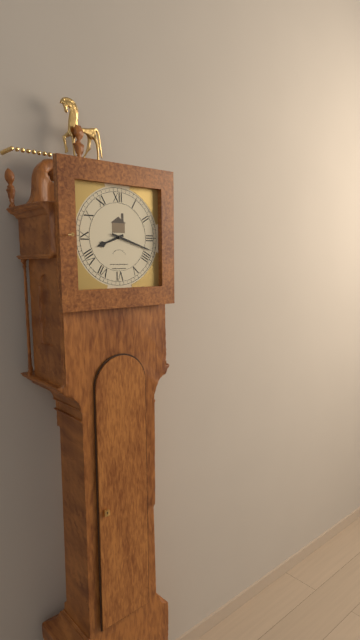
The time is **8:18**
